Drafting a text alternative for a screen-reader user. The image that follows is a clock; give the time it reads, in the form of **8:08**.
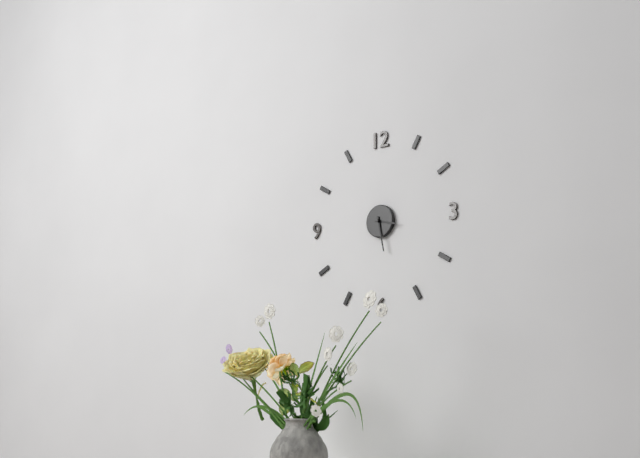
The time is **3:28**
